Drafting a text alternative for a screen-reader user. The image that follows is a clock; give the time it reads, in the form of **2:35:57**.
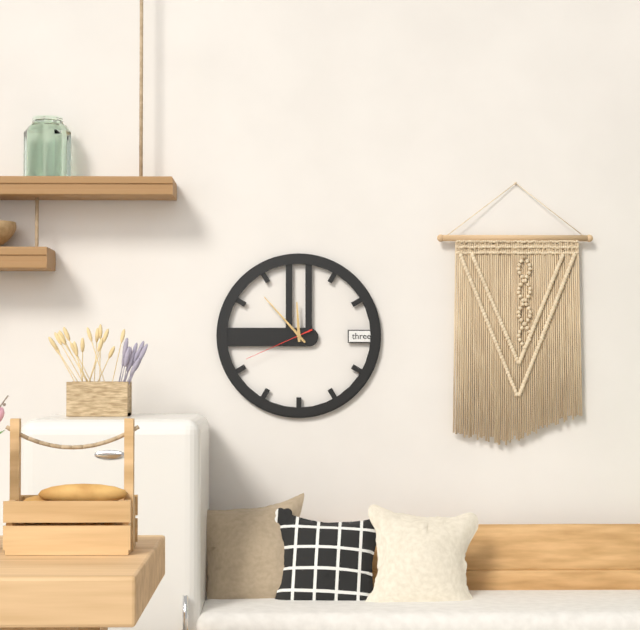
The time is **11:53:41**
